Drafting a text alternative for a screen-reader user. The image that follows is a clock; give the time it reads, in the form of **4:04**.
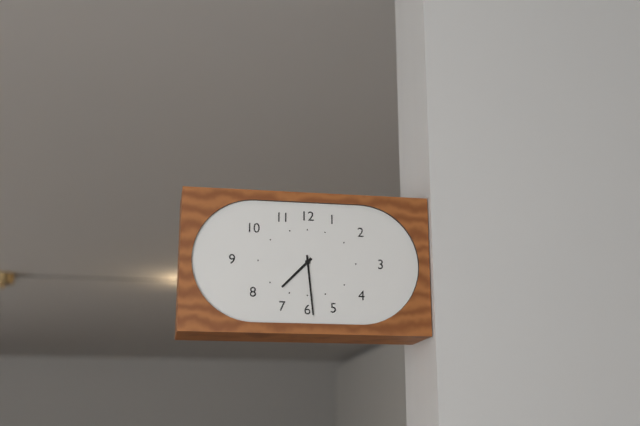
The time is **7:29**
